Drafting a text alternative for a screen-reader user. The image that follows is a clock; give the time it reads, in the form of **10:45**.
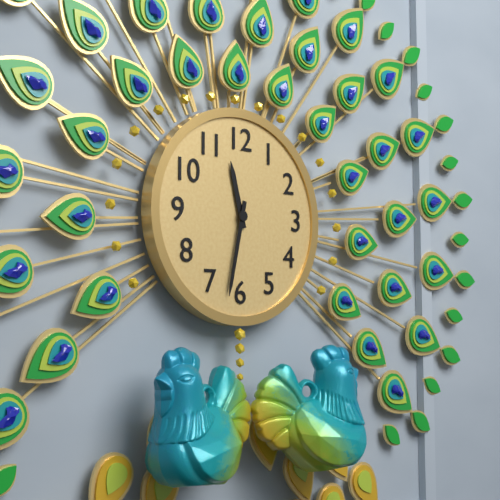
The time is **11:32**
